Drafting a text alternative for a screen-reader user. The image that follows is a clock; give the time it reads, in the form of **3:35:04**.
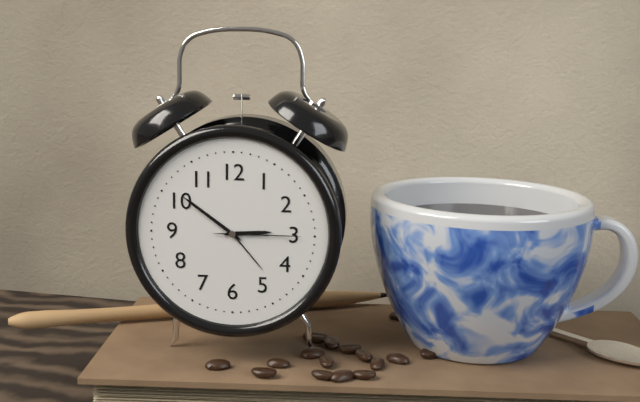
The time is **2:51:15**
